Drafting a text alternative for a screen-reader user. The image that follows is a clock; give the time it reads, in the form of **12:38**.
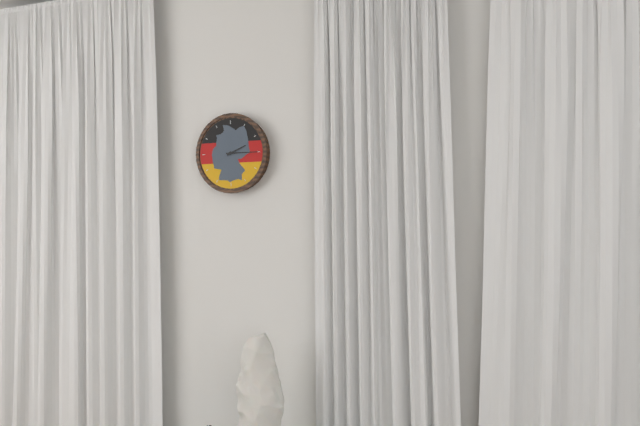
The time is **2:15**
